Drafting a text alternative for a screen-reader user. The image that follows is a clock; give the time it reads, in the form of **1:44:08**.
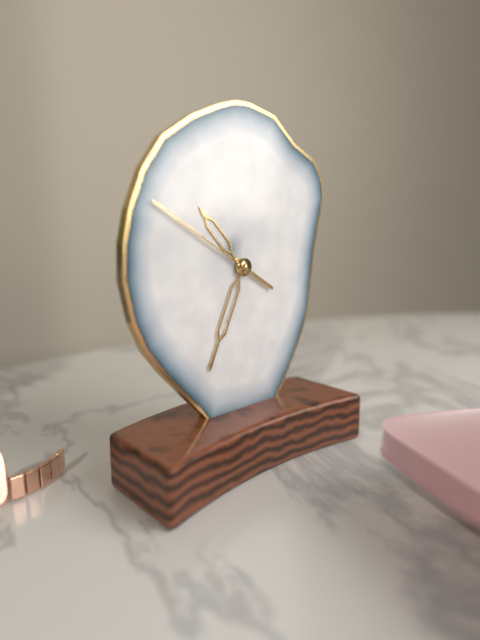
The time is **10:34:50**
